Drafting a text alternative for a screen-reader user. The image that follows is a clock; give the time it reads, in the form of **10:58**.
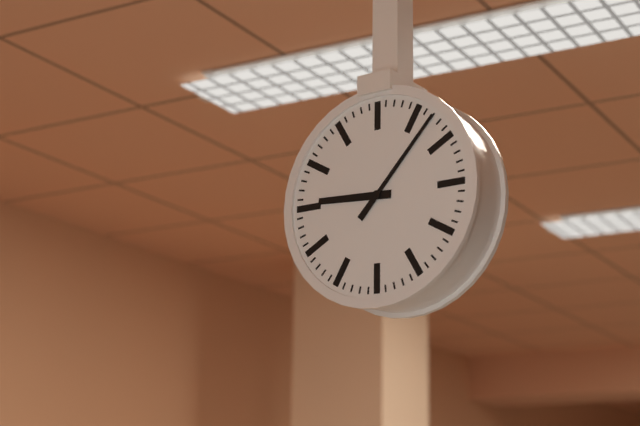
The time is **9:07**
